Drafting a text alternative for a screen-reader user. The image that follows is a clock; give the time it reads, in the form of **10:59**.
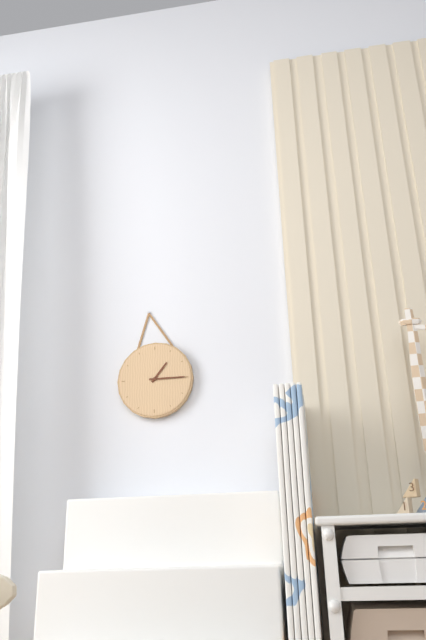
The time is **1:15**
